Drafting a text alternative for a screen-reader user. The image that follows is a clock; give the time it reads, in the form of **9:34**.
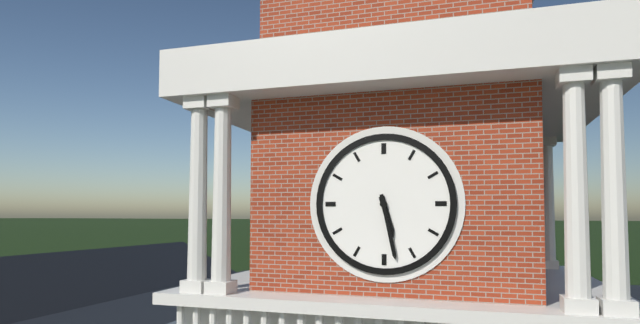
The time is **5:28**
